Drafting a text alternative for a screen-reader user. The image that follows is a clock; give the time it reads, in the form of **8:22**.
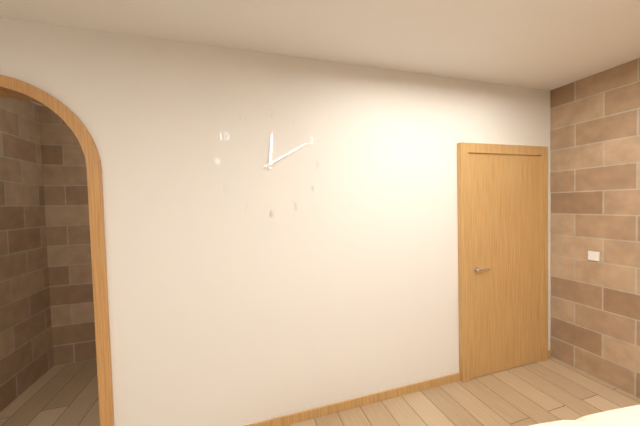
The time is **12:10**
